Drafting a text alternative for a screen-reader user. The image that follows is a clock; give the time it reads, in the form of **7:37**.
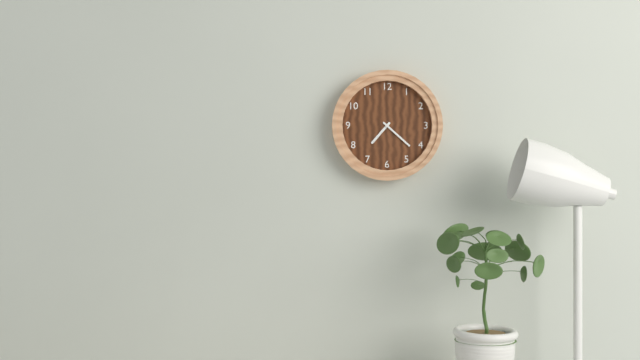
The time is **7:22**
